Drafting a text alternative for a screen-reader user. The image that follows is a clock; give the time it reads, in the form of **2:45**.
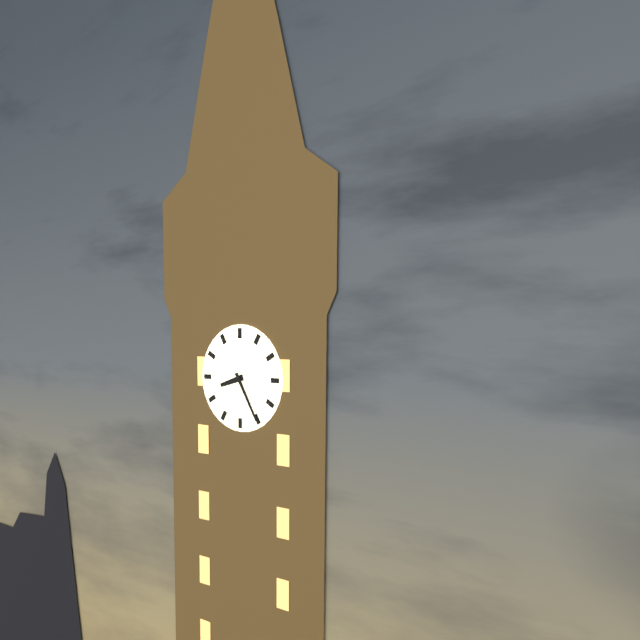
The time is **8:25**
